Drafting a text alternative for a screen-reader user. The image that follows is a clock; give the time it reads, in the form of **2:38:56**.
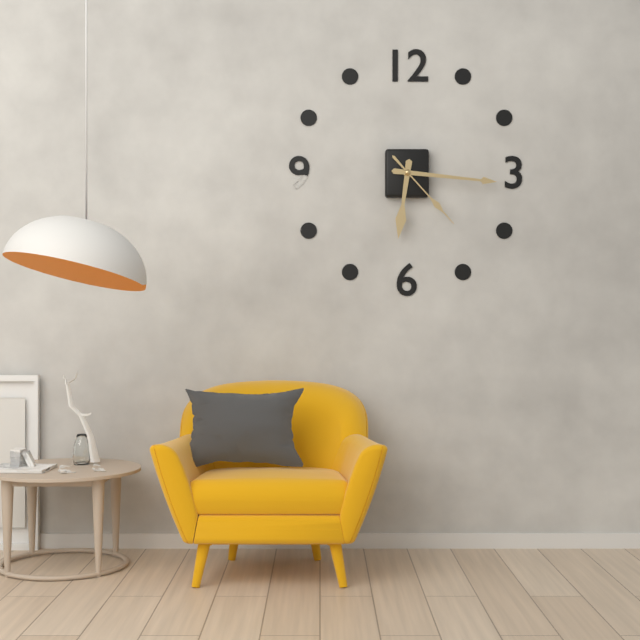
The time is **6:16:23**
